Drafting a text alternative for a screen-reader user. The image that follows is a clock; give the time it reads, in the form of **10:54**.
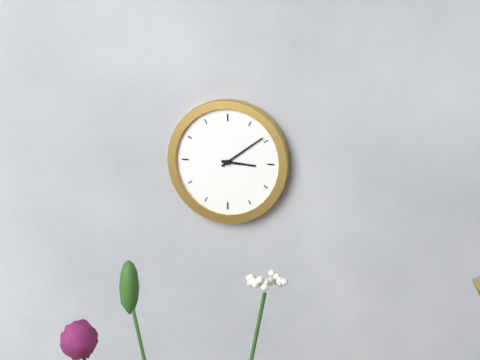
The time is **3:09**
